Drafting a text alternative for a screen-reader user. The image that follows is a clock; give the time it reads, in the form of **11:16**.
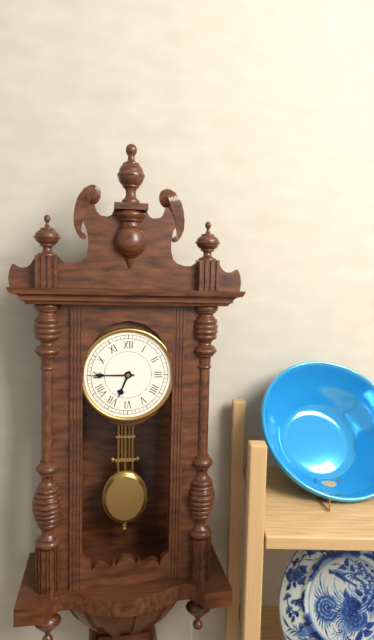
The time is **6:45**
